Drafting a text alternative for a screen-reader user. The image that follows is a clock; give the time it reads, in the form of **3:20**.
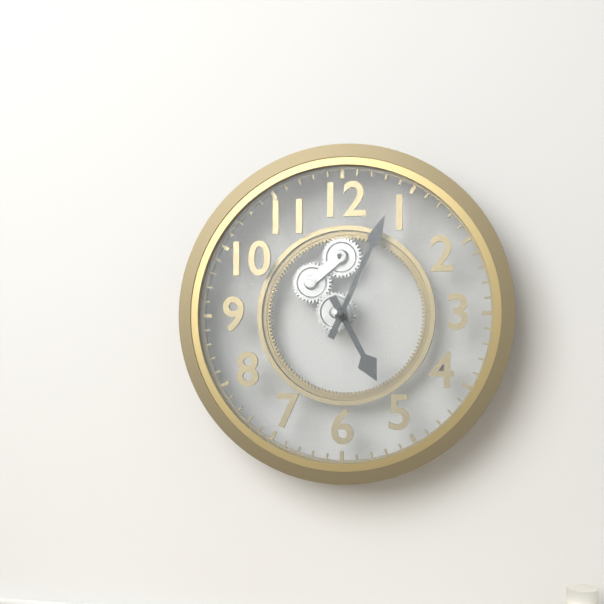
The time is **5:04**
